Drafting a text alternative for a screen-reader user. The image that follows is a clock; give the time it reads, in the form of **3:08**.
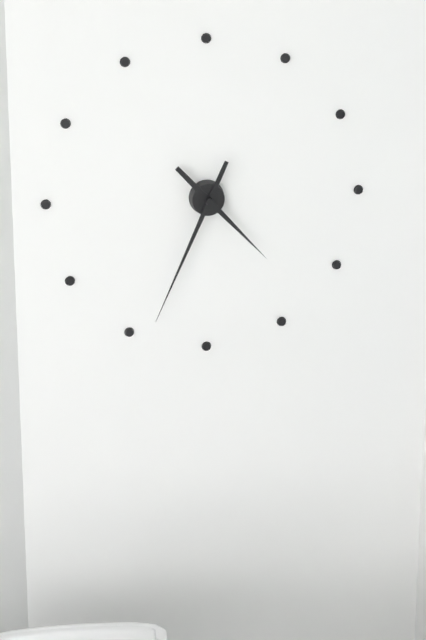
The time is **4:34**
